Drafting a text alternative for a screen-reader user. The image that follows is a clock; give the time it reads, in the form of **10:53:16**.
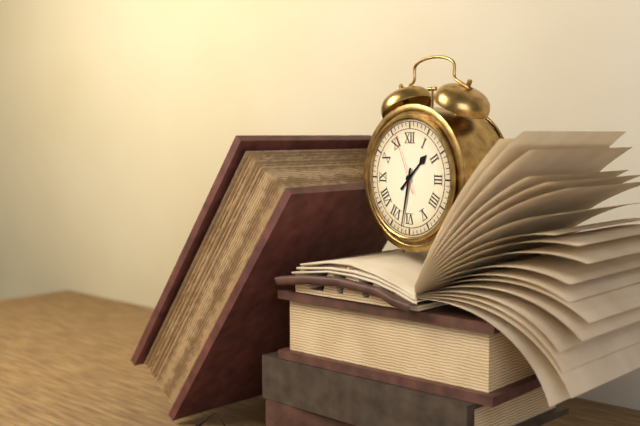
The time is **1:32:56**
